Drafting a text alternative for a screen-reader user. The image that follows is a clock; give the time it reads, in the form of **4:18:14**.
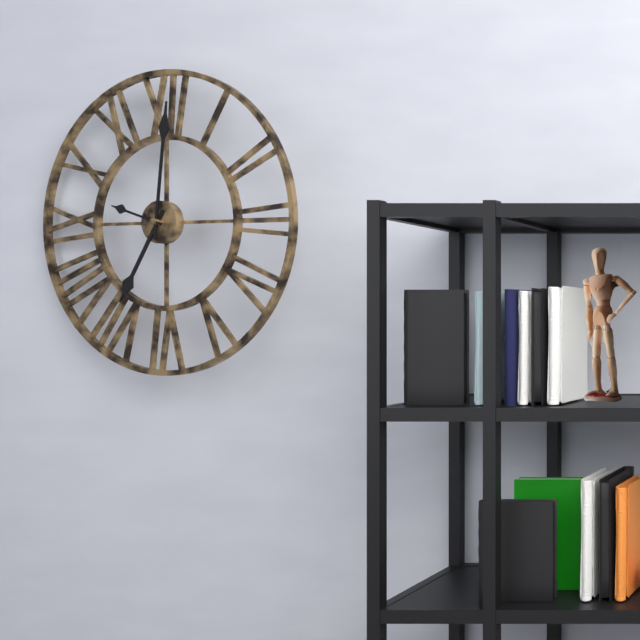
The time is **7:01:48**
